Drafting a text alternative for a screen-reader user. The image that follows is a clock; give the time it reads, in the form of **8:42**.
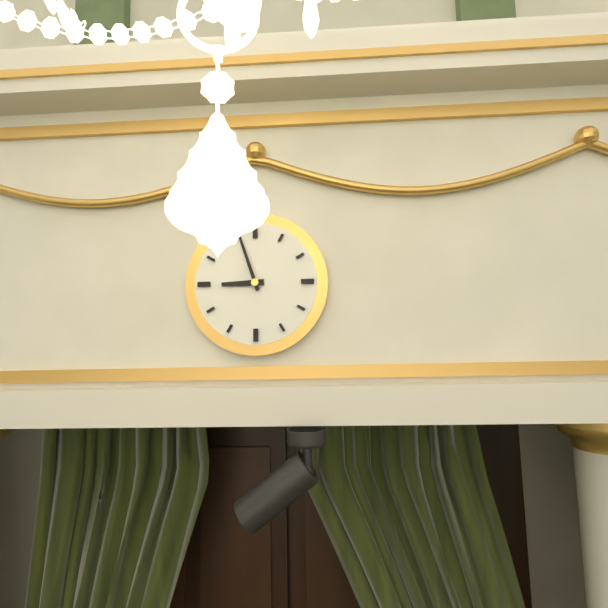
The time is **8:57**
